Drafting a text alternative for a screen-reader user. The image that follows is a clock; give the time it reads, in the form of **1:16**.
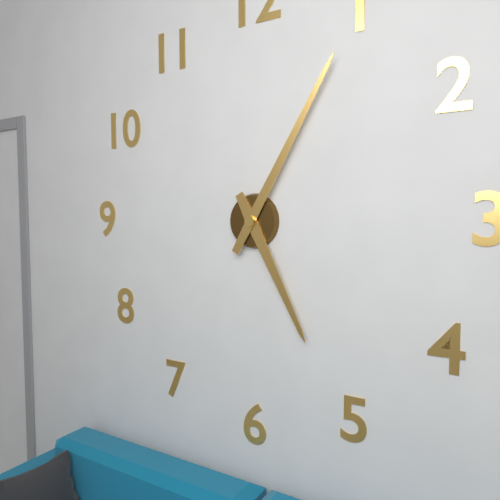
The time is **5:05**
